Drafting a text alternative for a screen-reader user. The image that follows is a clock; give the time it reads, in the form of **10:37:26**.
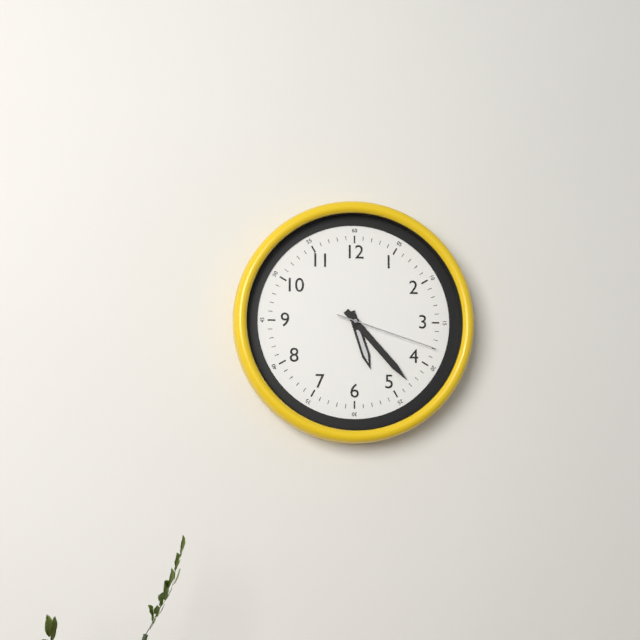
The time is **5:23:18**
